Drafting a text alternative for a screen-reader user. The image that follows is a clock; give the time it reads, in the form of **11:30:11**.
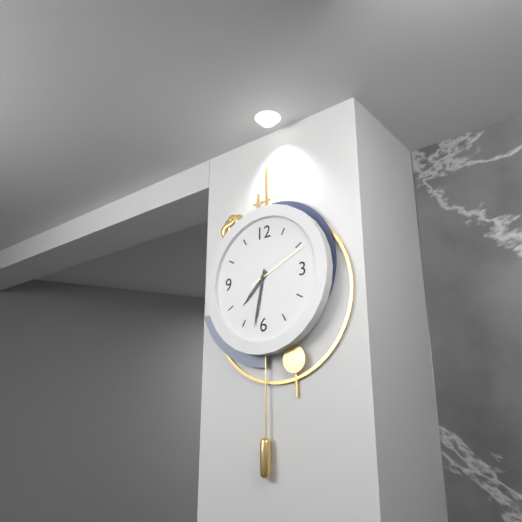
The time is **7:32:11**
